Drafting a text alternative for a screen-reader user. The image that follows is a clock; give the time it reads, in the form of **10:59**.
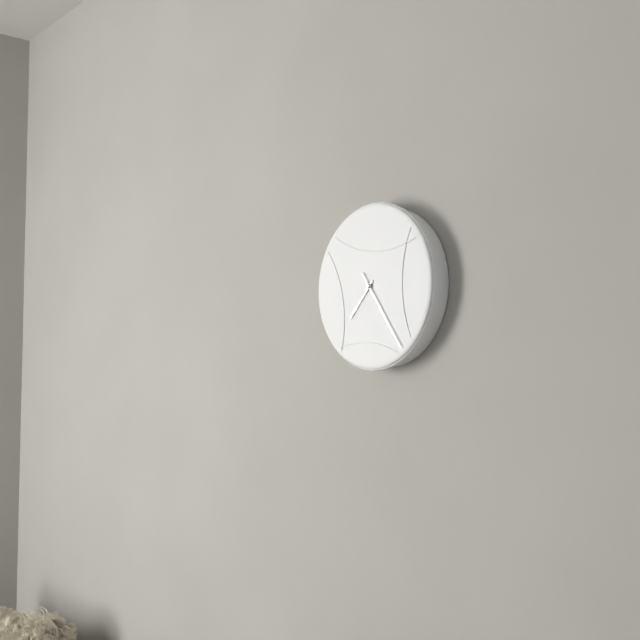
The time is **7:24**
